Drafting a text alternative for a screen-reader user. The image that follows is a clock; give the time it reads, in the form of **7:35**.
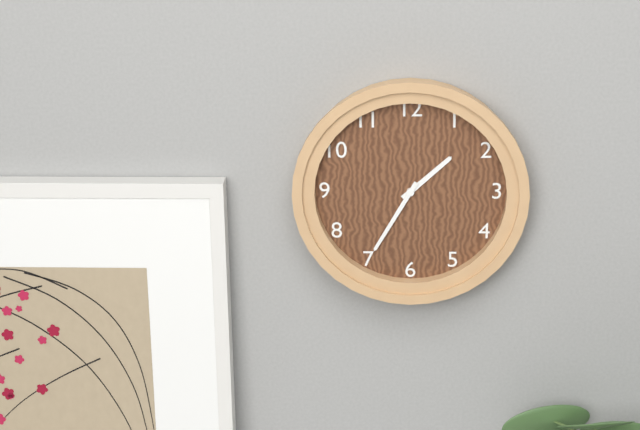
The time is **1:35**
